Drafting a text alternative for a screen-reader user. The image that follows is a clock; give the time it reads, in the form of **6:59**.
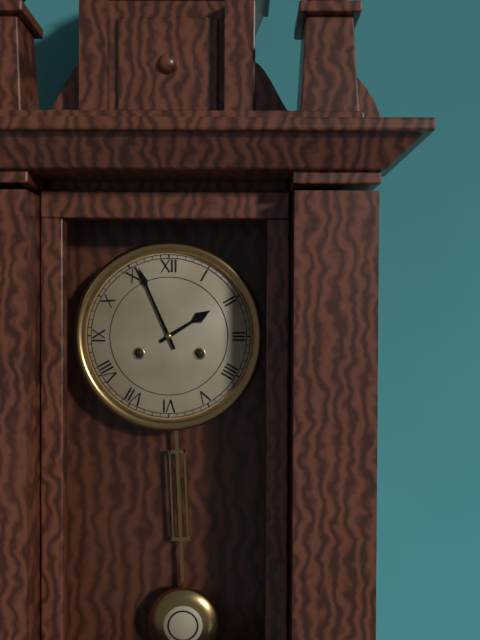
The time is **1:56**
